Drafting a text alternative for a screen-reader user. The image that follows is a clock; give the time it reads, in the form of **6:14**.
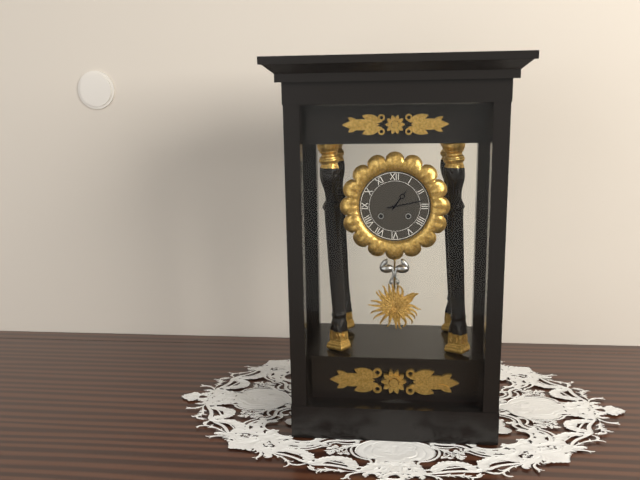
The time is **1:13**
